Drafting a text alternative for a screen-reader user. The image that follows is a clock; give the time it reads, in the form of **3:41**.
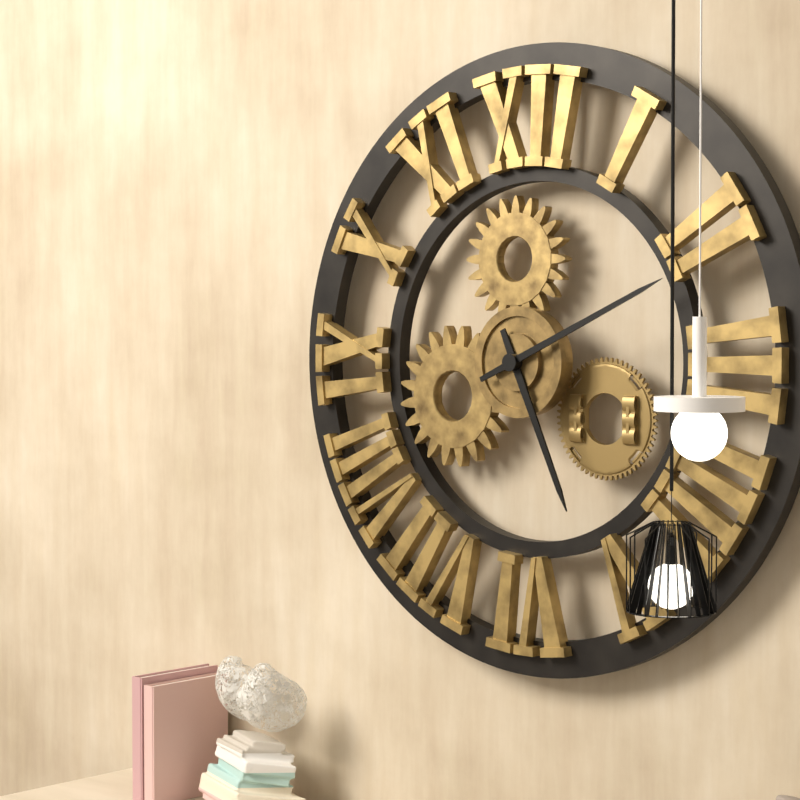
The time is **5:11**
